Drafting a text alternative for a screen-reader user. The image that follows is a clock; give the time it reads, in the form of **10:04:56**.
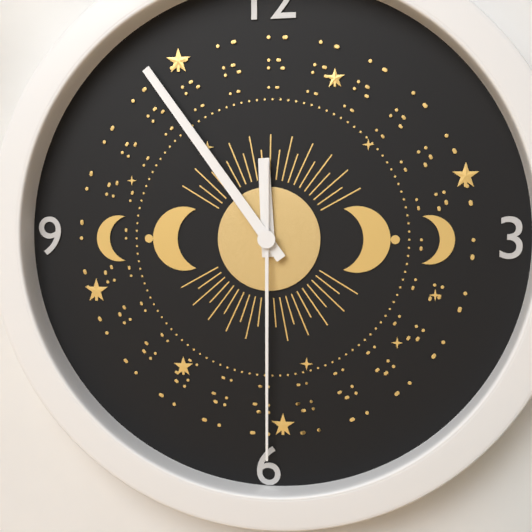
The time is **11:54:30**
